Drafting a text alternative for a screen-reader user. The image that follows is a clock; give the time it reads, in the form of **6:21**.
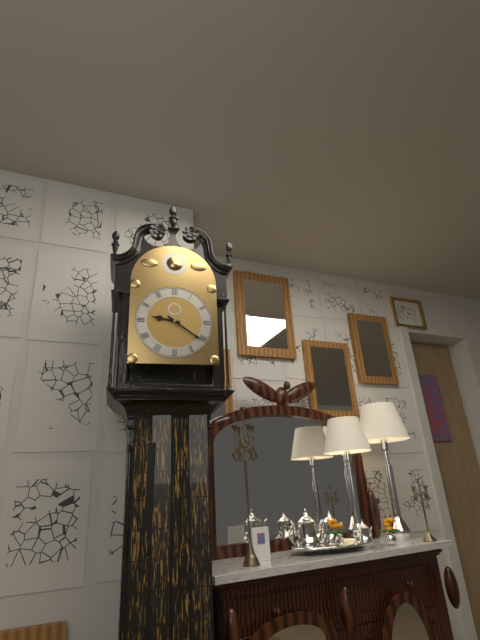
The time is **9:21**
